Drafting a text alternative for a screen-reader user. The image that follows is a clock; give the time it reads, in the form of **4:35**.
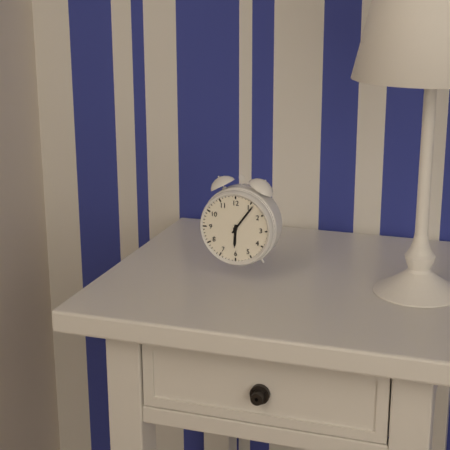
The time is **6:06**
